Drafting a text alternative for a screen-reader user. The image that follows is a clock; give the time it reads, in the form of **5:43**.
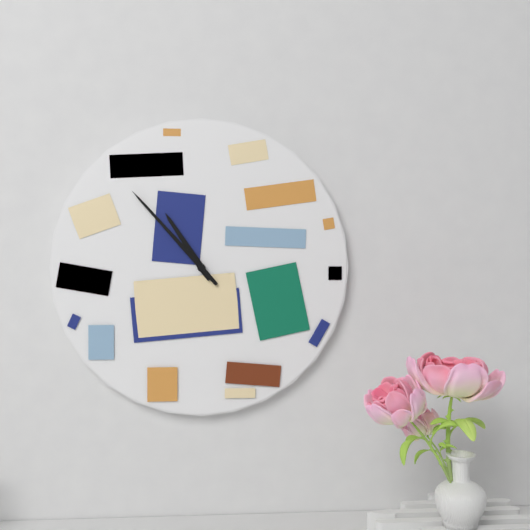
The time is **10:53**
